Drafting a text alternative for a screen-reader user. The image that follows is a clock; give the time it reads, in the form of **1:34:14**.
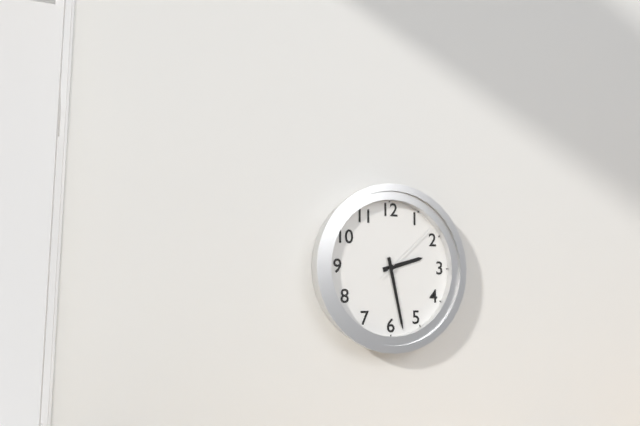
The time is **2:28:08**
